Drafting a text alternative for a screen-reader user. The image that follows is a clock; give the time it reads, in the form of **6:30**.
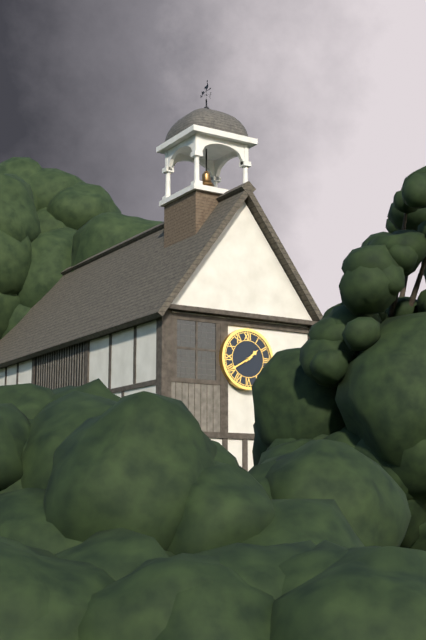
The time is **1:40**
